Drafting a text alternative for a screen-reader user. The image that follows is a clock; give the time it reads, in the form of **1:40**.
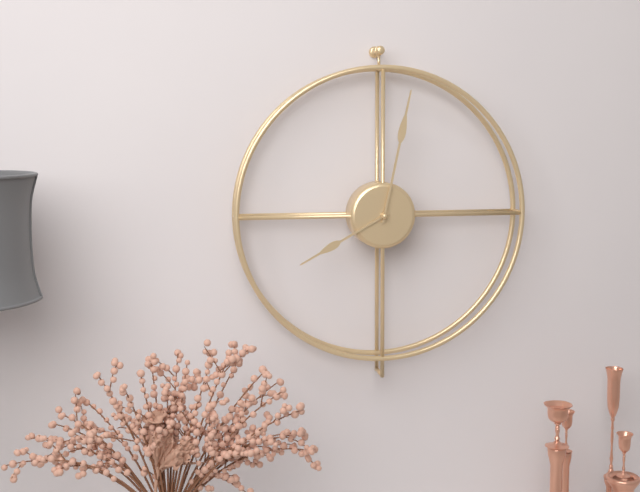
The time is **8:02**
